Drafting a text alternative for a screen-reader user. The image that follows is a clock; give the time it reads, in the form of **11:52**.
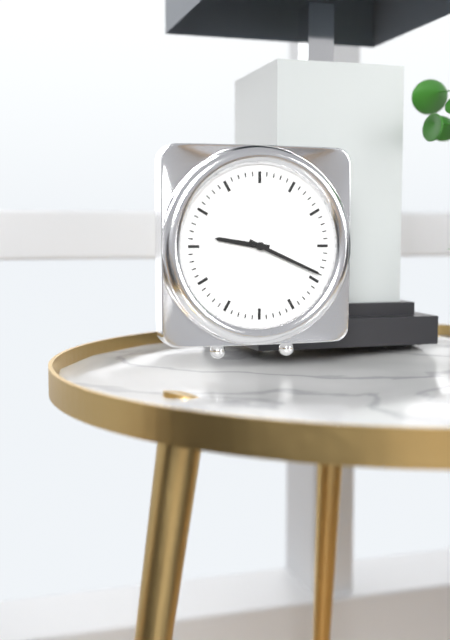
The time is **9:19**
